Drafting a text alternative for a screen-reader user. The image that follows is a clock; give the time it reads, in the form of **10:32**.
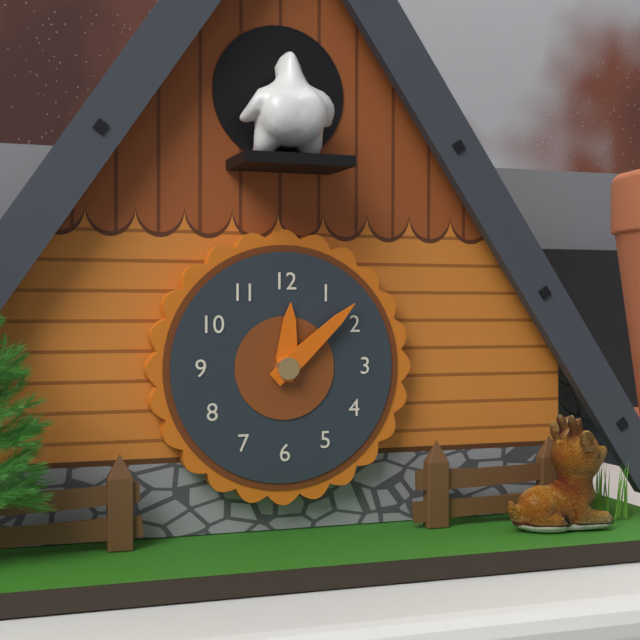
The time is **12:08**
